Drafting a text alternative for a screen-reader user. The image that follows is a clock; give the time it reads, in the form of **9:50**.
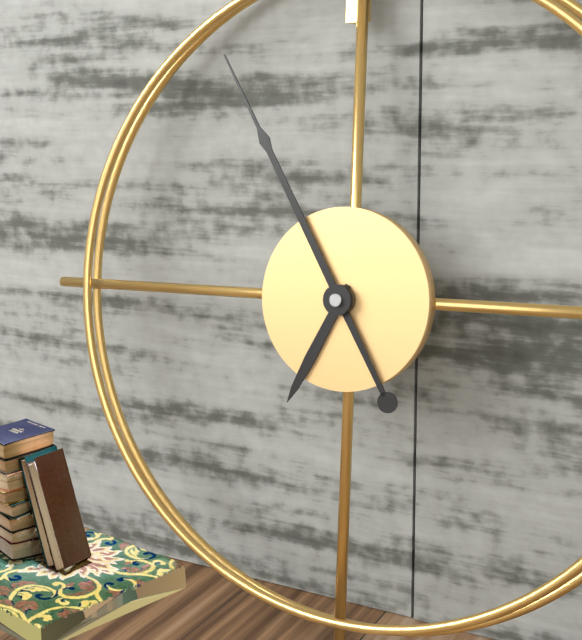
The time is **6:55**
